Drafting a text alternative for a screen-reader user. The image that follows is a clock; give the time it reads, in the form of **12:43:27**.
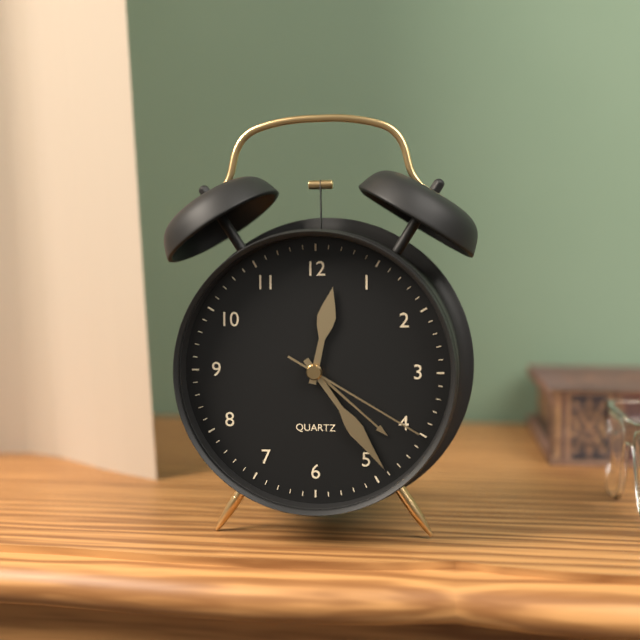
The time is **12:24:20**
